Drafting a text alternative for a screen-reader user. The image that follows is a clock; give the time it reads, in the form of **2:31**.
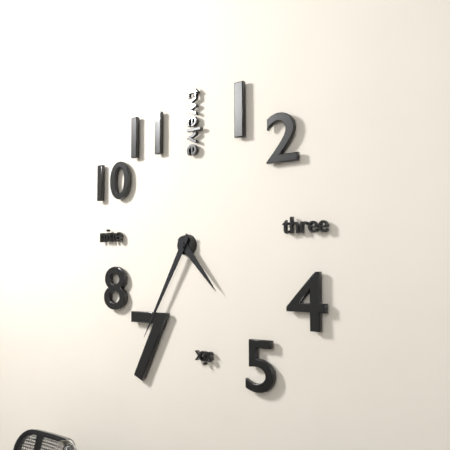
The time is **4:35**
